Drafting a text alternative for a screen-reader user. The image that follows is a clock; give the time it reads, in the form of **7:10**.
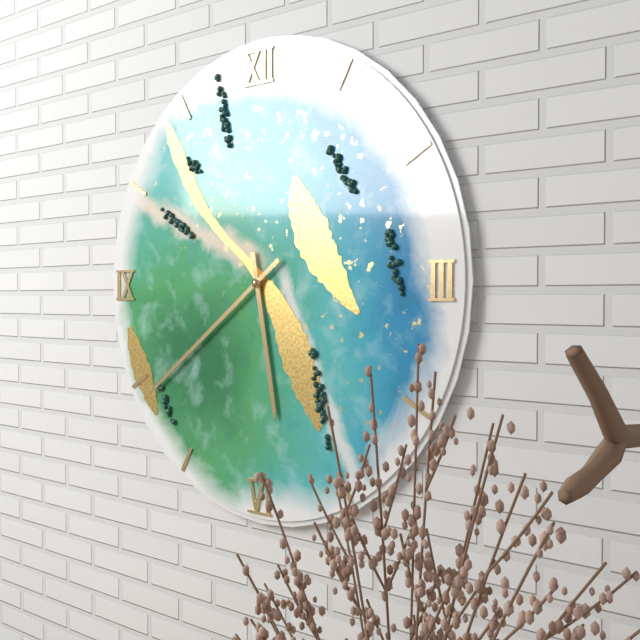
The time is **5:39**
